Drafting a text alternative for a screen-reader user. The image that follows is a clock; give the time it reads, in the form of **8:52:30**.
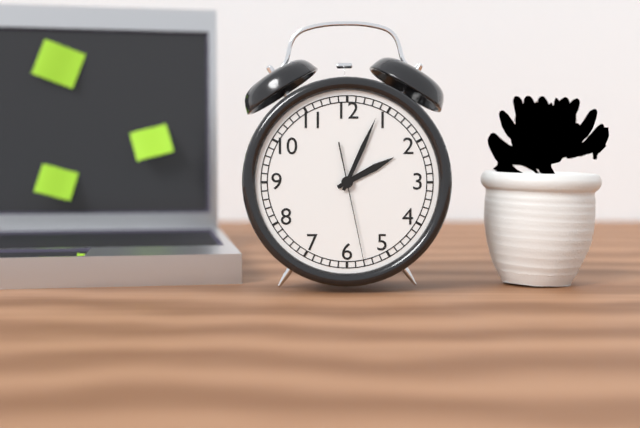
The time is **2:04:28**
